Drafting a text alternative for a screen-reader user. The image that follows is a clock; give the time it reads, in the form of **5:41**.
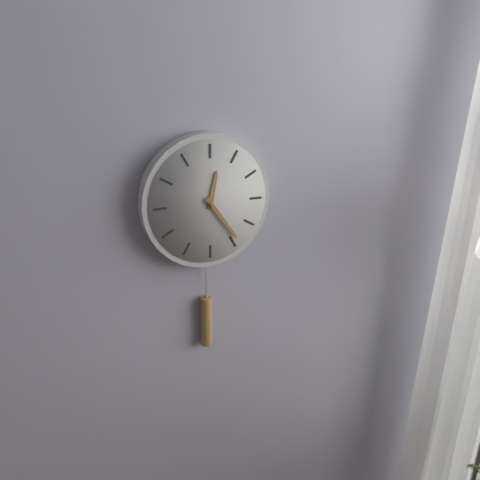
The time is **12:24**
